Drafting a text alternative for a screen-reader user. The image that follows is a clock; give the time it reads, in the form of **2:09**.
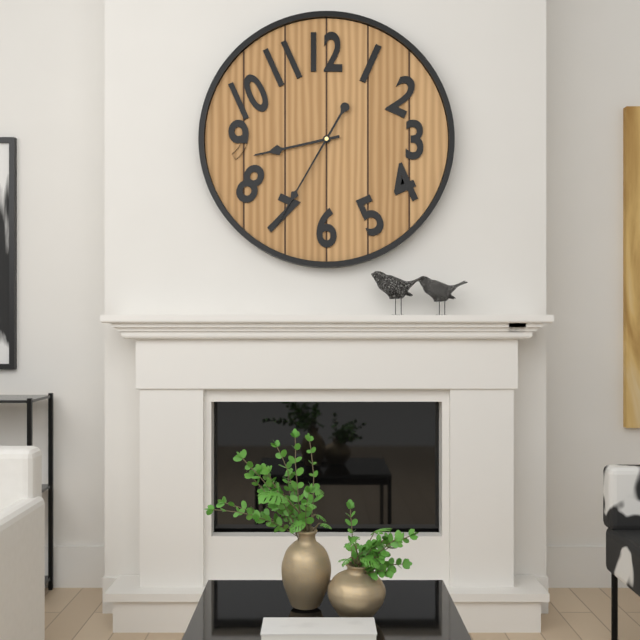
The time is **8:35**
